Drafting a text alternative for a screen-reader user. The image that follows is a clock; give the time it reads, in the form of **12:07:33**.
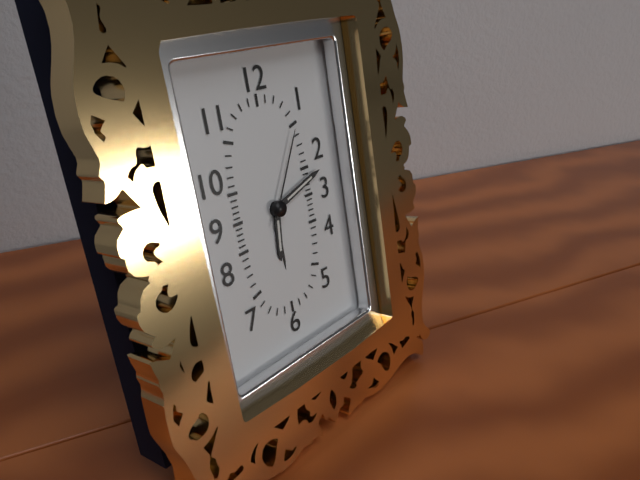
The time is **6:12:05**
